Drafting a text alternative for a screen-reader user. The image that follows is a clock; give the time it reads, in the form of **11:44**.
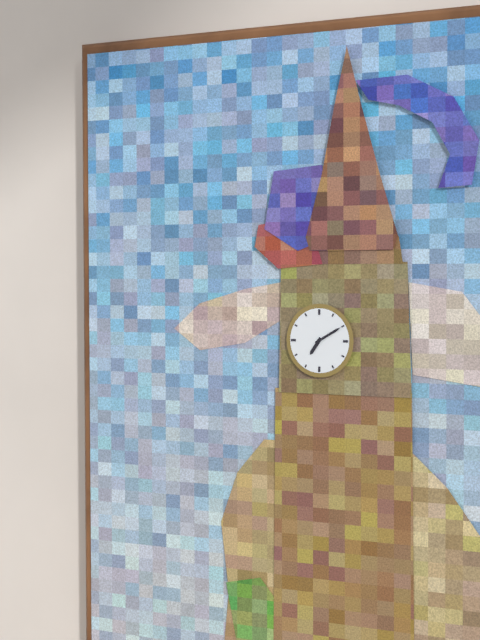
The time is **7:10**
